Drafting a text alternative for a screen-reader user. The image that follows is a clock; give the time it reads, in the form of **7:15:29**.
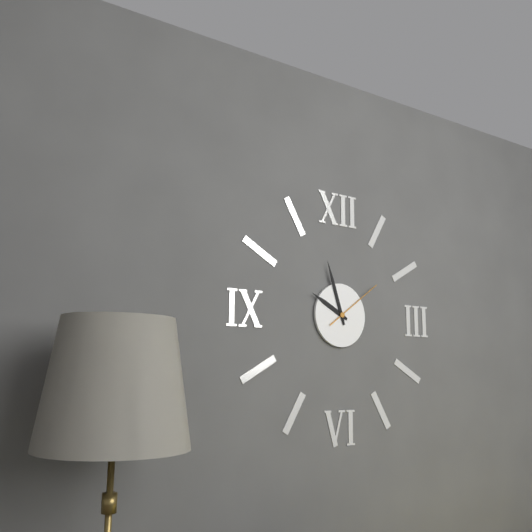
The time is **9:57:09**
